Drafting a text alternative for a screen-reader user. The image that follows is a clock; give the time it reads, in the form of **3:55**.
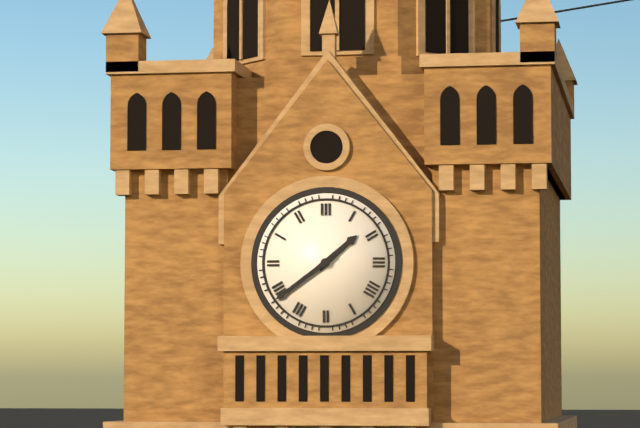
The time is **1:39**
